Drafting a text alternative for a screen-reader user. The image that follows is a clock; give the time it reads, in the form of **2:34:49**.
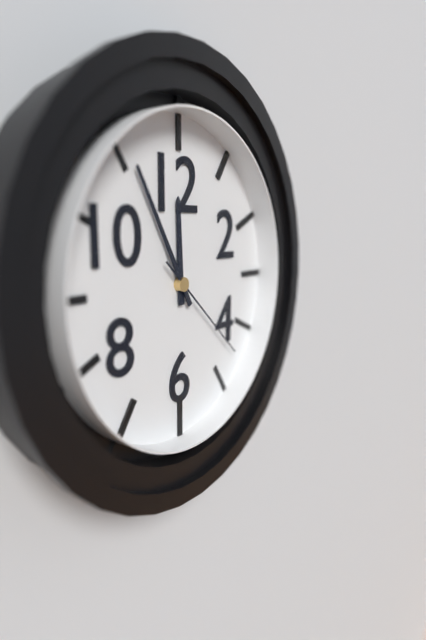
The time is **11:55:22**
